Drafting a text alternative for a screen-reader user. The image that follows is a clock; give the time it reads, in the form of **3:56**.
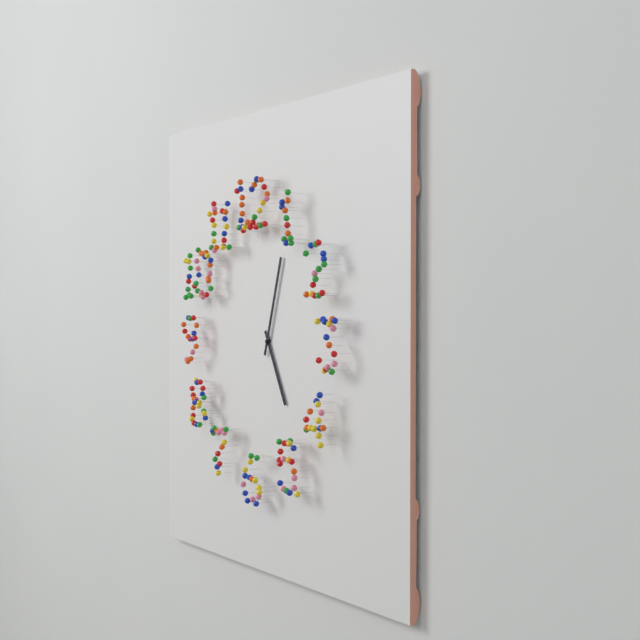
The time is **5:03**
